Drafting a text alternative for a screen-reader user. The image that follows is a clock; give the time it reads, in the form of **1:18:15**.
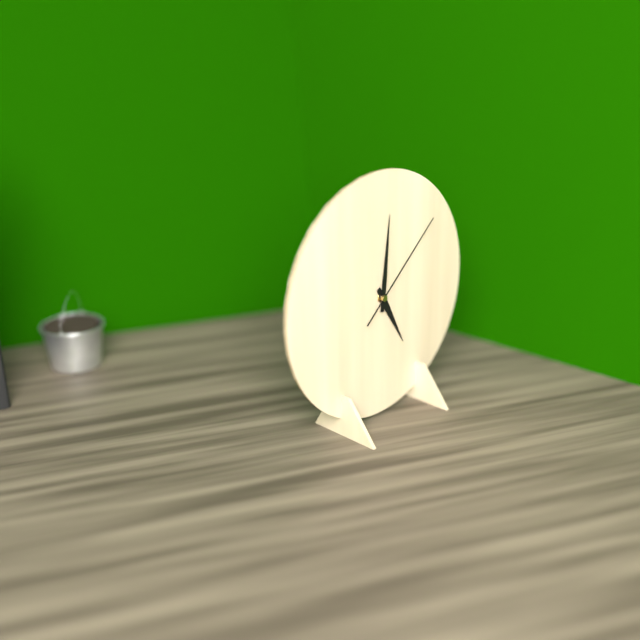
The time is **5:01:08**
